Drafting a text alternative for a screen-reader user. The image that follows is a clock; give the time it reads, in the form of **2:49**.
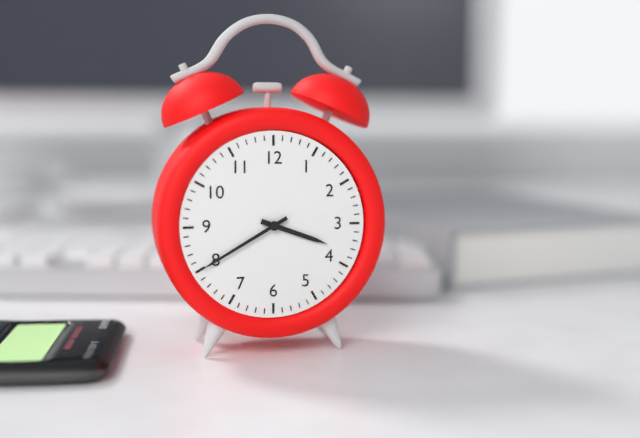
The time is **3:40**
